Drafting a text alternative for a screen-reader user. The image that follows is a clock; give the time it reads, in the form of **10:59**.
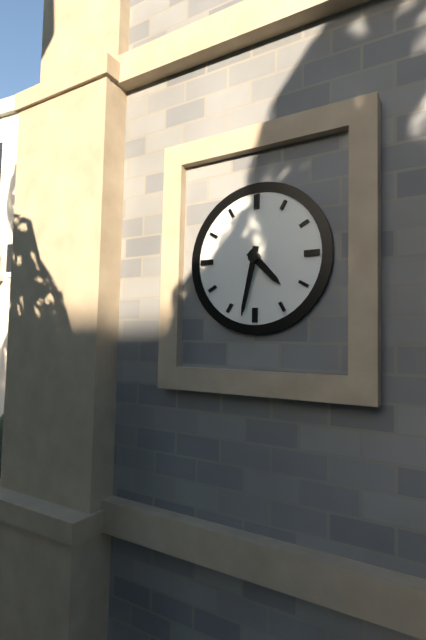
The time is **4:32**
